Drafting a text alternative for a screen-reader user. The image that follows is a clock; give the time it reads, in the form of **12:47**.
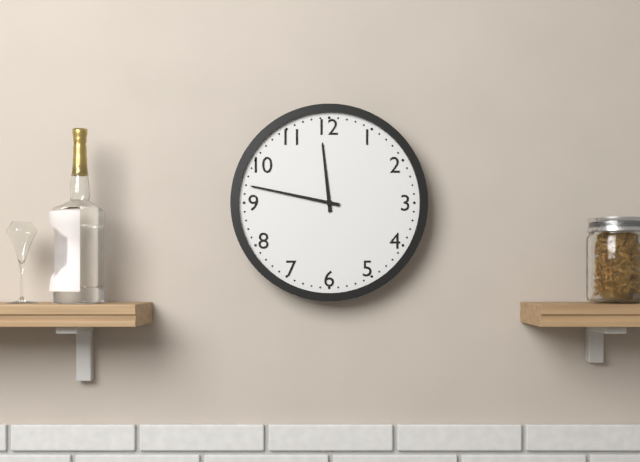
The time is **11:47**
